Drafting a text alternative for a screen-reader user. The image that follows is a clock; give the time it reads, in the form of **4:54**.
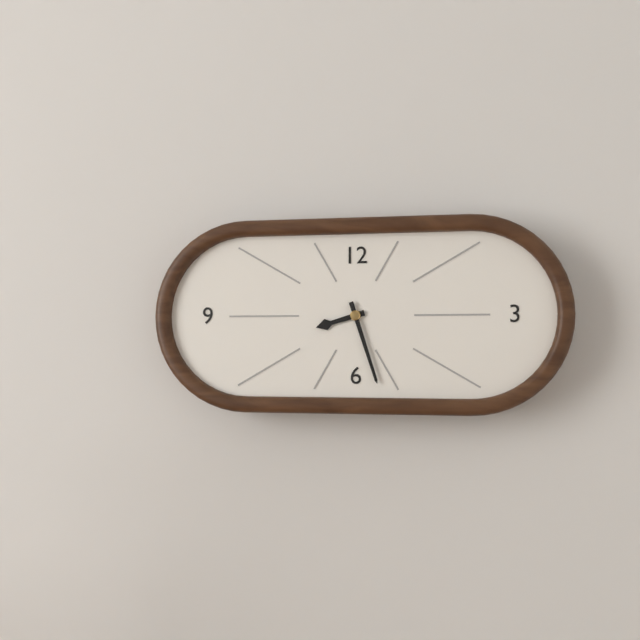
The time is **8:27**
